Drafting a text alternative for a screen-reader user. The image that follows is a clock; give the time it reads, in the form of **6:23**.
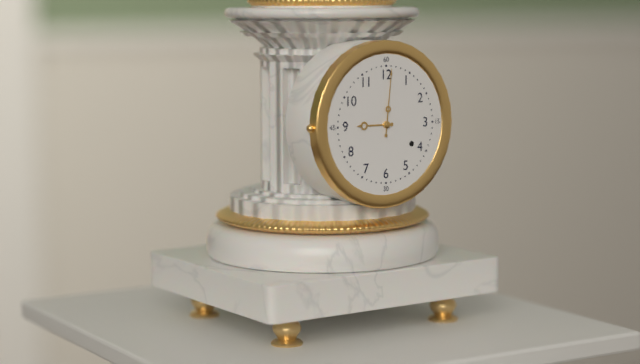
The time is **9:01**
